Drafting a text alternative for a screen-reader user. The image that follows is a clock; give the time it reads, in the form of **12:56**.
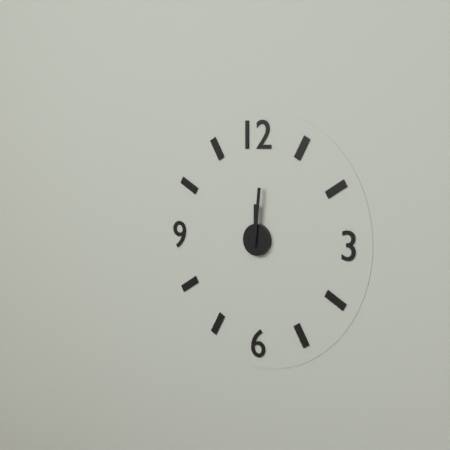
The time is **12:01**
